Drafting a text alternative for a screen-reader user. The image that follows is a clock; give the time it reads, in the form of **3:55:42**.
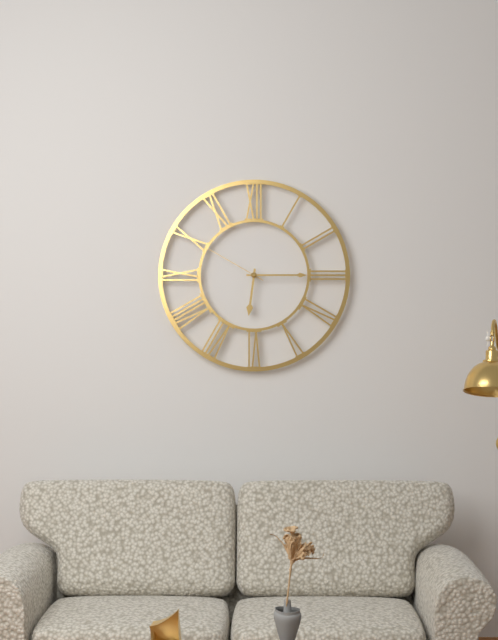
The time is **6:15:50**
